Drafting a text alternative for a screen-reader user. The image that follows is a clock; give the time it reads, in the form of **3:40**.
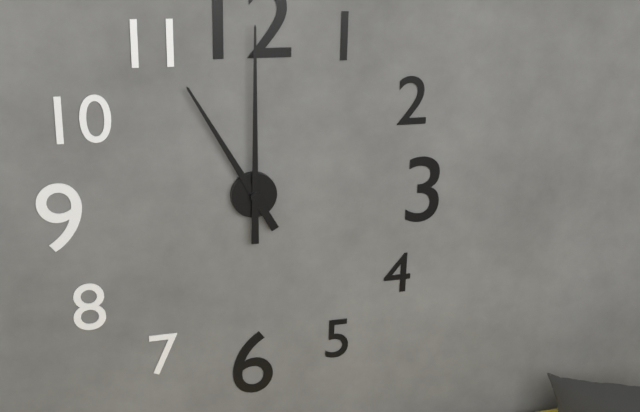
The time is **11:00**
